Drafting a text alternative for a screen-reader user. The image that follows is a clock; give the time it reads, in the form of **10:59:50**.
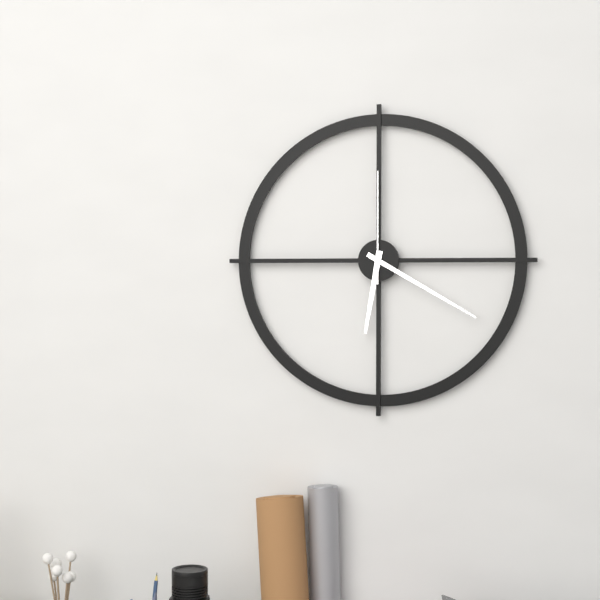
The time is **6:20:00**
